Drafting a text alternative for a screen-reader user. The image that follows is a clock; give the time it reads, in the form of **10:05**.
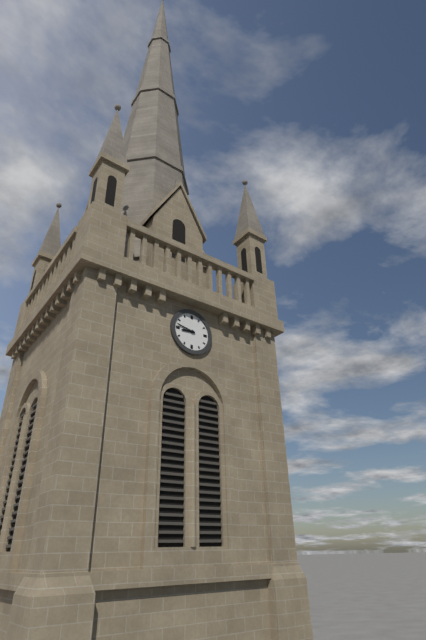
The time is **8:47**
